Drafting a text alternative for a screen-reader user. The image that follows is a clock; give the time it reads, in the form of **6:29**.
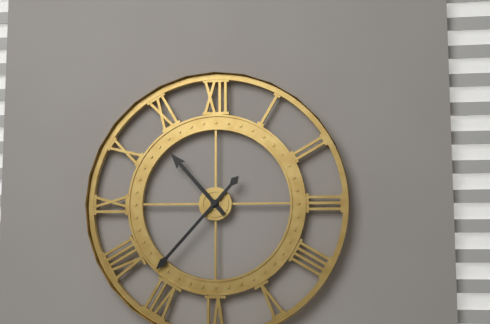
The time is **10:37**
